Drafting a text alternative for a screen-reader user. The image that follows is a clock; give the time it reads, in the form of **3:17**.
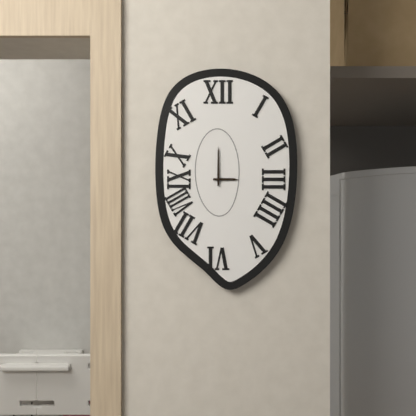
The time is **3:00**
